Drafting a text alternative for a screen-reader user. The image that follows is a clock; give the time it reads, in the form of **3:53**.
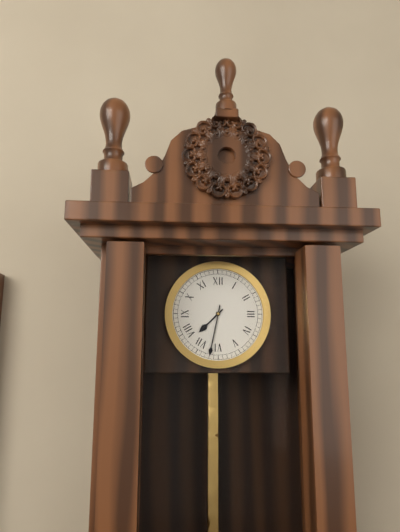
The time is **7:32**
